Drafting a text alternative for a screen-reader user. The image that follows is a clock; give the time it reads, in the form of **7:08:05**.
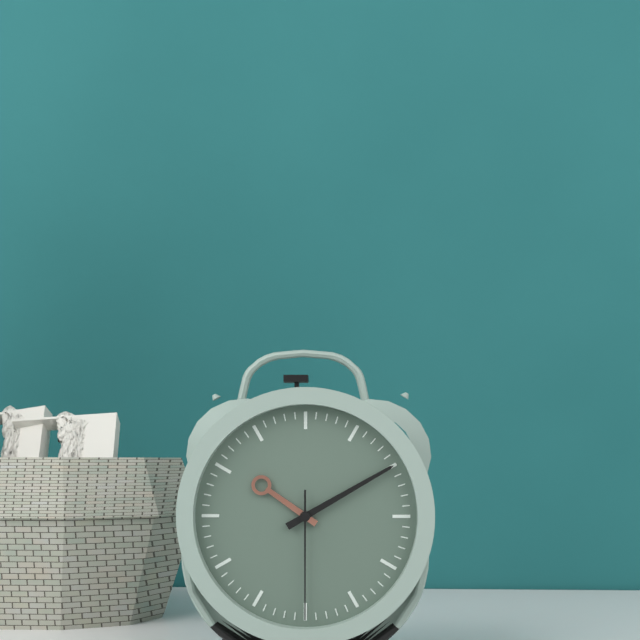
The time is **10:10:30**
